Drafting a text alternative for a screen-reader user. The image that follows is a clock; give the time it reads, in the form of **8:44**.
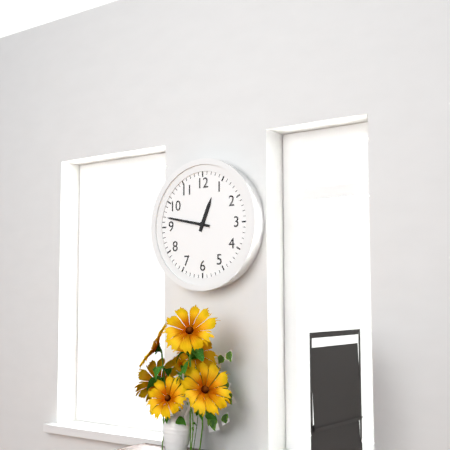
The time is **12:47**
